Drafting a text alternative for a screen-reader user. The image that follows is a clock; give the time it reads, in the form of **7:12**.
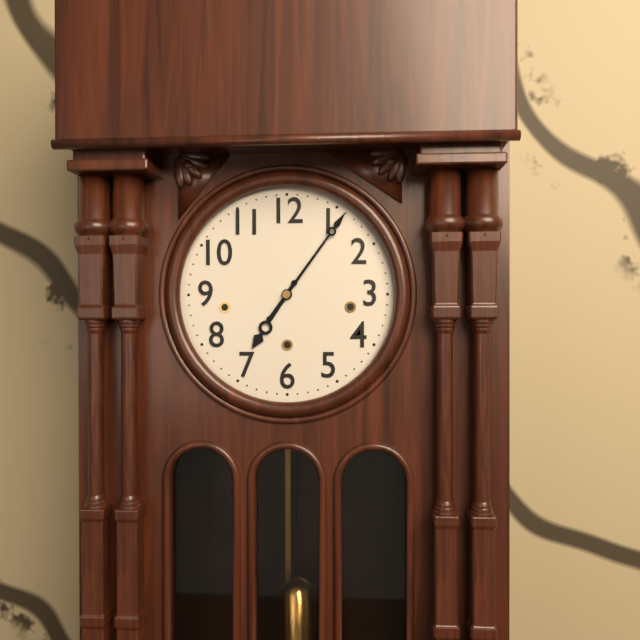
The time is **7:06**
